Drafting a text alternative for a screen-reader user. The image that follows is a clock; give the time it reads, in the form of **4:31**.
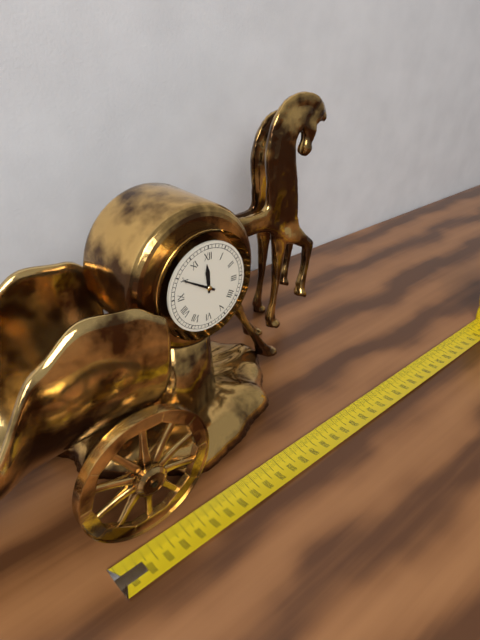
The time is **11:50**
